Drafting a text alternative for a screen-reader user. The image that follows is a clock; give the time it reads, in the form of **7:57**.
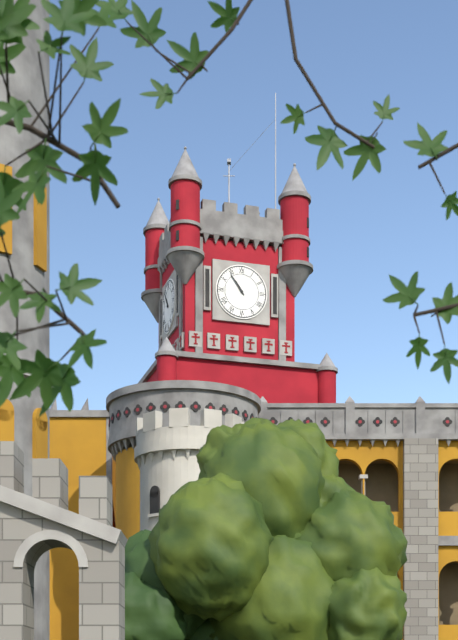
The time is **10:54**
